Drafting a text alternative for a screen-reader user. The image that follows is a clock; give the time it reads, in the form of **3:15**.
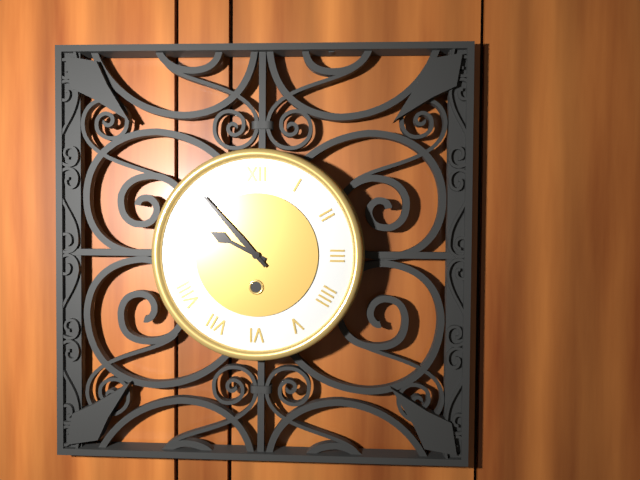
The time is **9:53**
